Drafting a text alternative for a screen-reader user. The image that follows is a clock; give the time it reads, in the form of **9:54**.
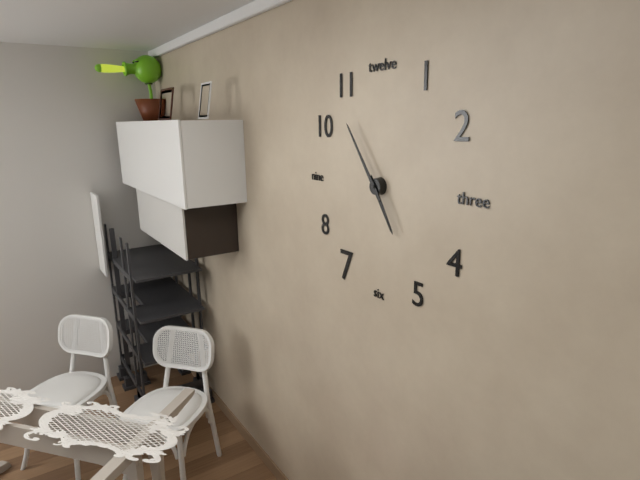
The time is **4:54**
